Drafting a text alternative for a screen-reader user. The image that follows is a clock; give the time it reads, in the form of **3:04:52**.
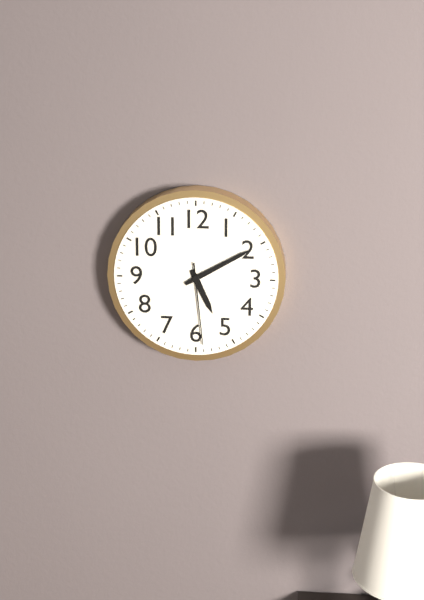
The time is **5:10:29**
